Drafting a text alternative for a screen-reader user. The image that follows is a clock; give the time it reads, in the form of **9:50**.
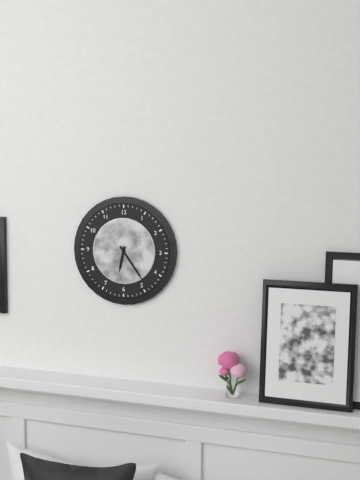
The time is **6:24**
